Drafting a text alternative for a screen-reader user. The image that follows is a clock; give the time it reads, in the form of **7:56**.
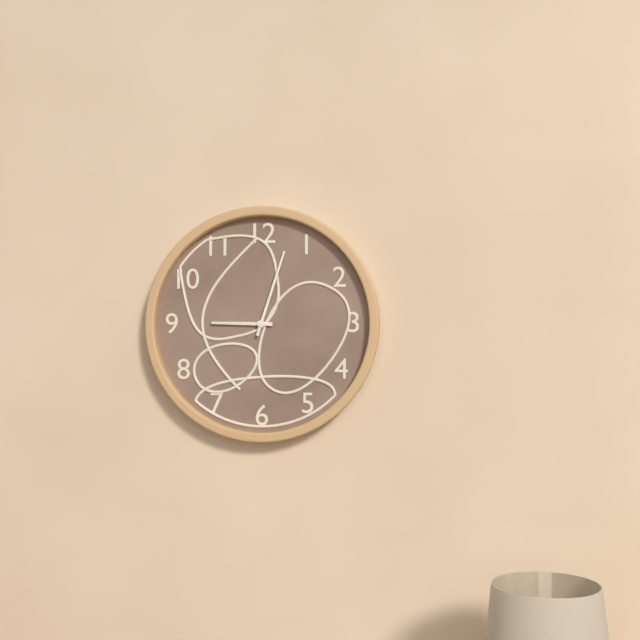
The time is **9:03**
